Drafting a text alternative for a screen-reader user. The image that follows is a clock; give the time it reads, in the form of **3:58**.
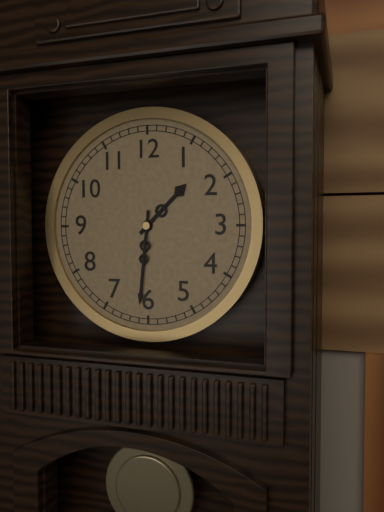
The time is **1:31**
